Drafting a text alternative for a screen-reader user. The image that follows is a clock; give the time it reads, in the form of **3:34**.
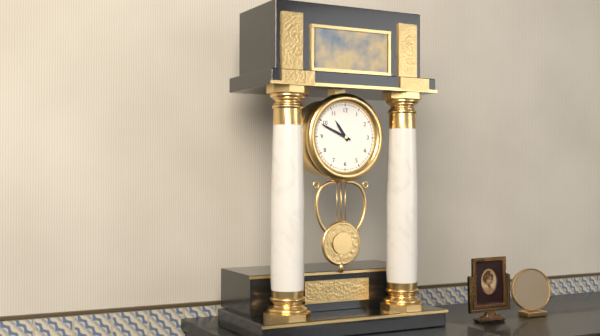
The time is **10:49**
